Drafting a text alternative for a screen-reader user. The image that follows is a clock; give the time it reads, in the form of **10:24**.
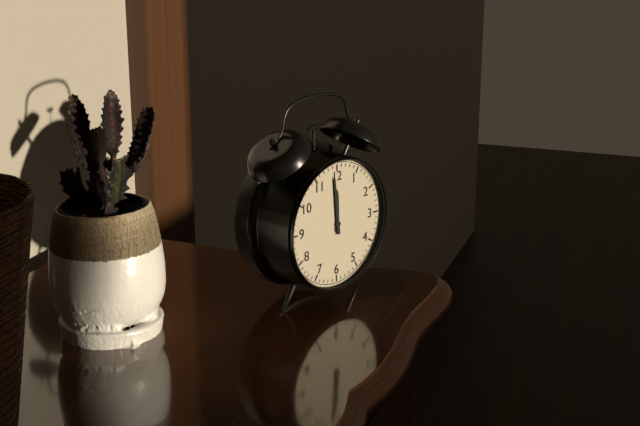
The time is **11:59**
